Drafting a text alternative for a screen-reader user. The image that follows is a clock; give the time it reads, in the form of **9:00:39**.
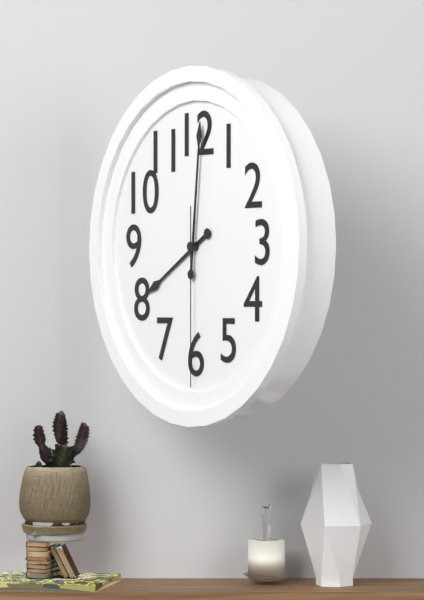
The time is **8:01:30**
